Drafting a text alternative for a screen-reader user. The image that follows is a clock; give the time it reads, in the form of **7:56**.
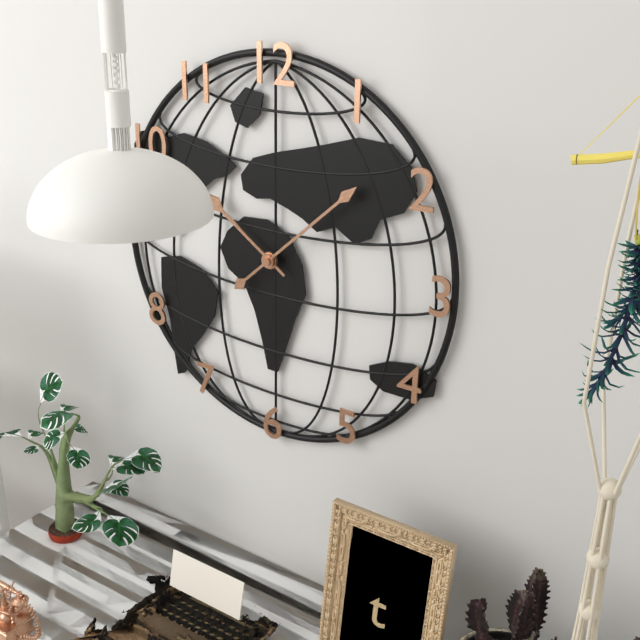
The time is **10:08**
